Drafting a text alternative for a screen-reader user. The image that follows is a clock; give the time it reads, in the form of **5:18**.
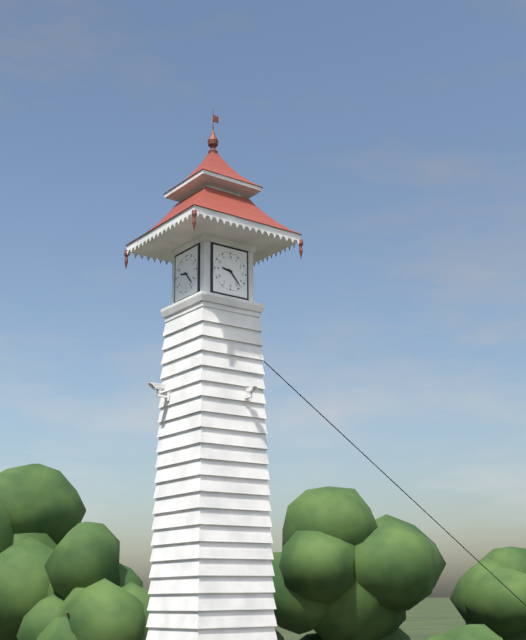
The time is **9:23**
